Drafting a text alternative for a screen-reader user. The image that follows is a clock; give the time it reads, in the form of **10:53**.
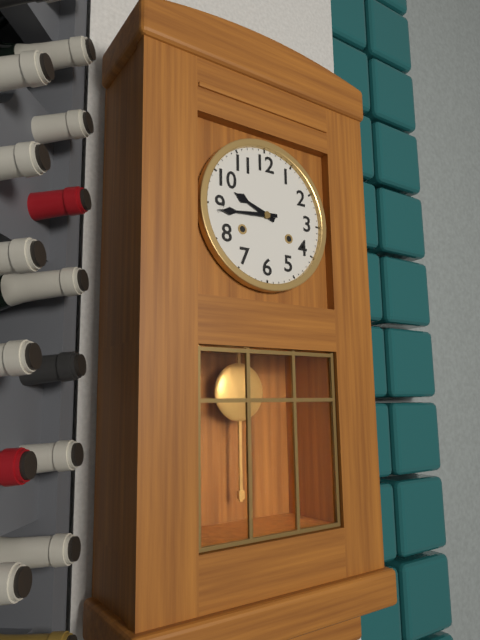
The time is **9:44**
